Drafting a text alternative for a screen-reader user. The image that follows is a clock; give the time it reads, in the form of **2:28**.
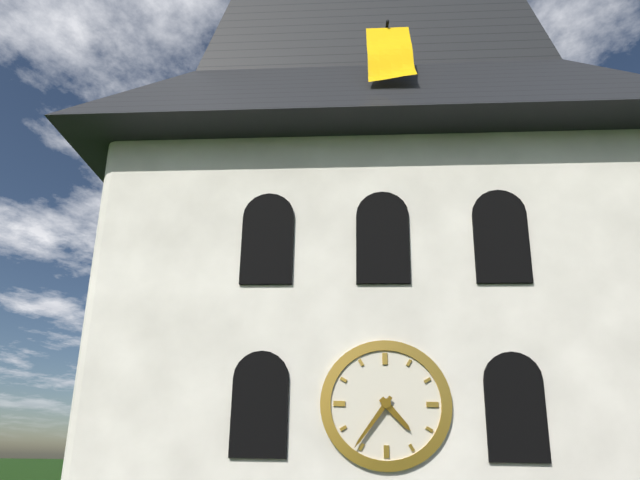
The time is **4:36**
